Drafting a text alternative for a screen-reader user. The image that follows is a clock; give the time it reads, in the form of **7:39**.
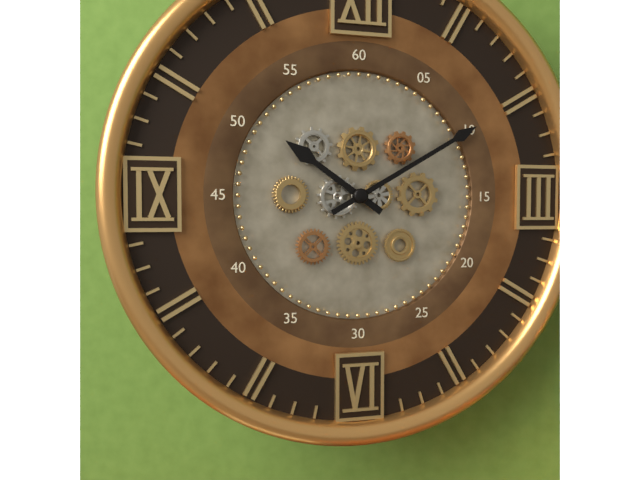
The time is **10:10**
